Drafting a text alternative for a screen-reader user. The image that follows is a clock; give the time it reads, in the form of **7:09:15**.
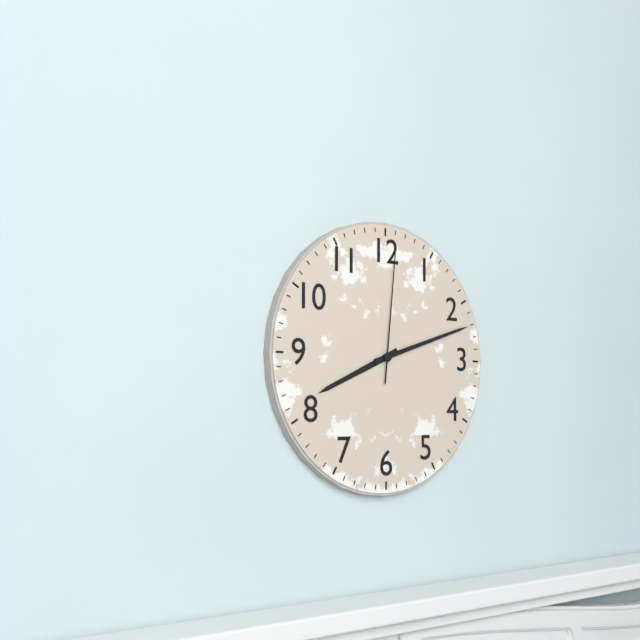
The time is **8:12:01**
